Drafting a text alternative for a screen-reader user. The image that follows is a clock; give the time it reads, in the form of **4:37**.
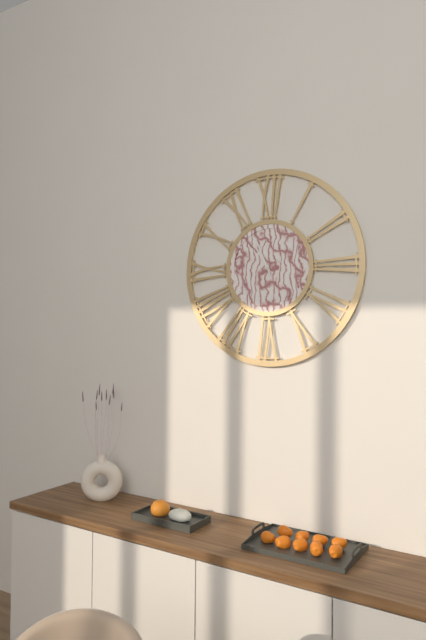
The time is **10:56**
